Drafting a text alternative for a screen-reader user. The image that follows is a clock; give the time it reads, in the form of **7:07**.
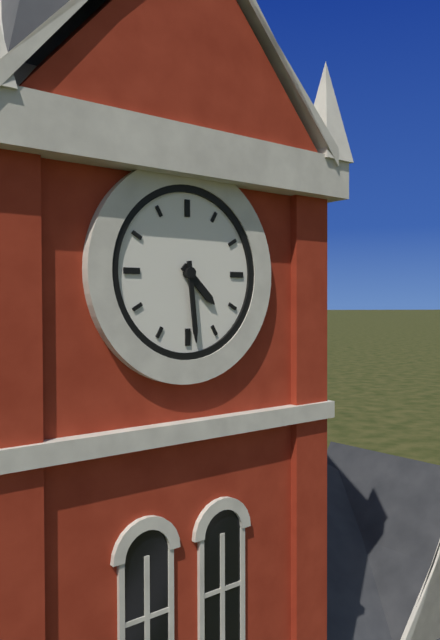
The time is **4:29**
